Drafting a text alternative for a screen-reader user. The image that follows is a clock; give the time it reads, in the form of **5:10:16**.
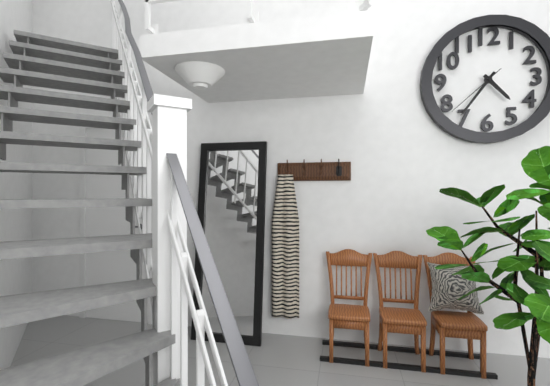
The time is **4:36:38**
